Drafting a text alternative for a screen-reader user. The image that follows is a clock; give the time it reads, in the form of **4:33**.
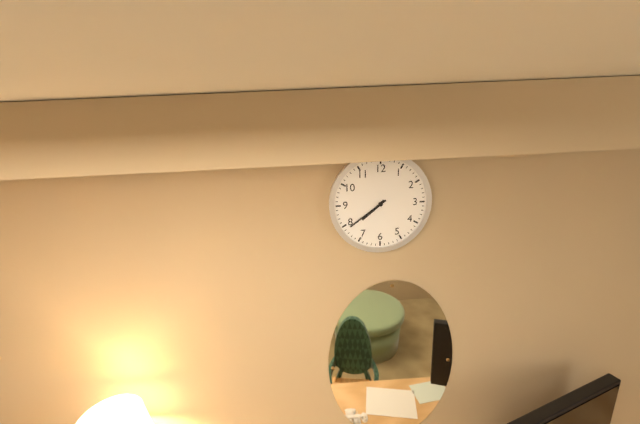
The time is **7:39**
